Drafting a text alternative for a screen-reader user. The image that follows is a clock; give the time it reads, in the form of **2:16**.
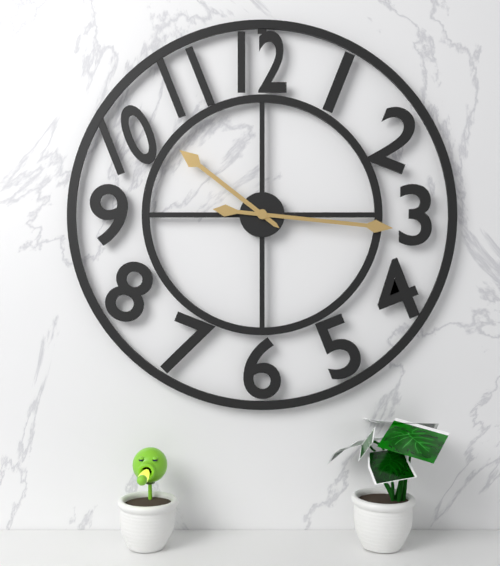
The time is **10:16**
